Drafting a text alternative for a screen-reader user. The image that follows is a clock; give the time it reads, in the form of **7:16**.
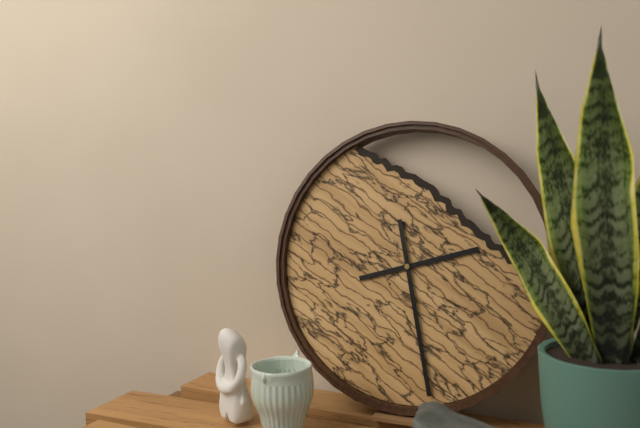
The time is **2:28**
